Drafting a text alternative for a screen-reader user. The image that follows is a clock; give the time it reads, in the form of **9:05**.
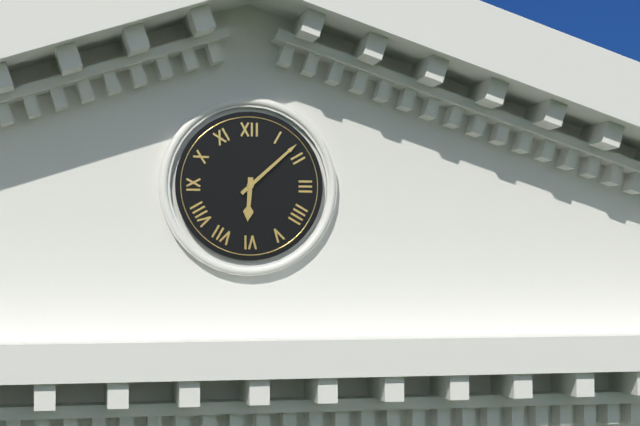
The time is **6:08**
